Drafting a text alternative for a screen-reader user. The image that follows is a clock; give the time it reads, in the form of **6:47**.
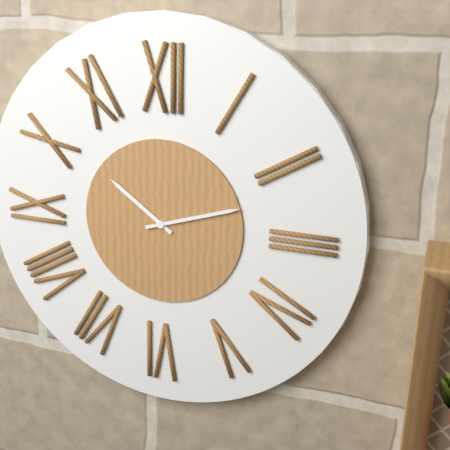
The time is **10:12**
